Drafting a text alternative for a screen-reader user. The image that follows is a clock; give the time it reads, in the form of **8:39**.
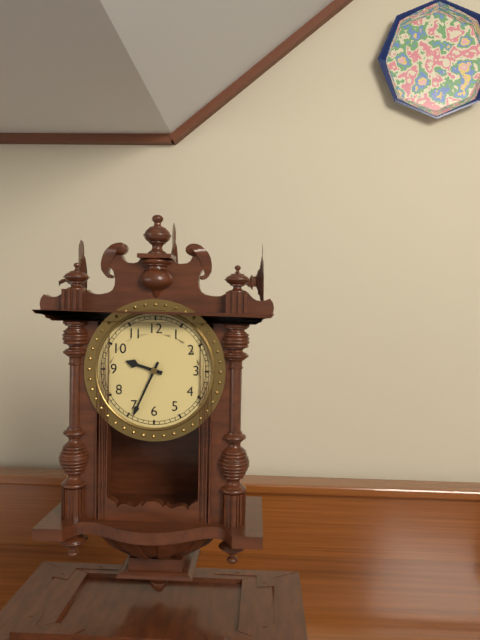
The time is **9:34**
